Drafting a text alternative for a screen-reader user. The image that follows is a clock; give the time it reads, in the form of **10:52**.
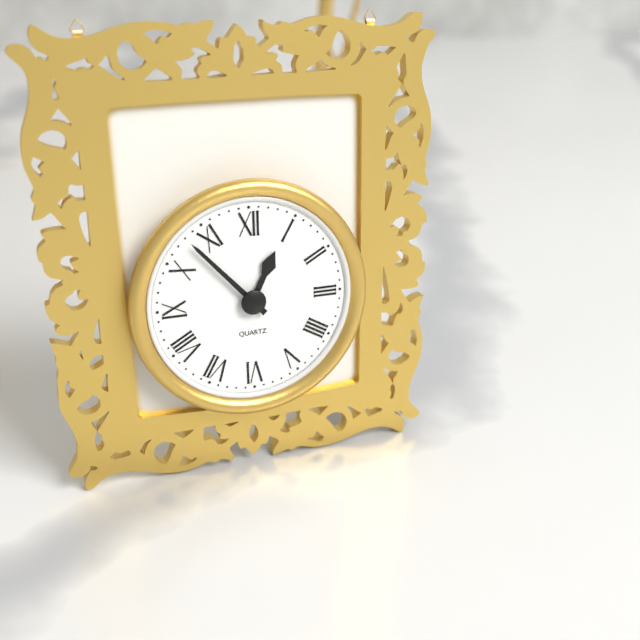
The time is **12:53**
